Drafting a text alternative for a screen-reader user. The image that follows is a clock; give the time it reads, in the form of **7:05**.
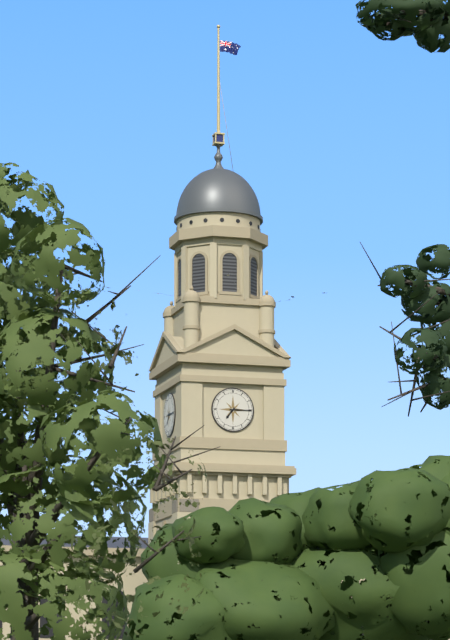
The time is **7:15**
